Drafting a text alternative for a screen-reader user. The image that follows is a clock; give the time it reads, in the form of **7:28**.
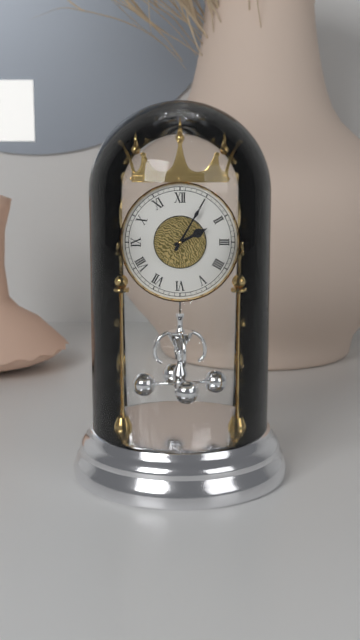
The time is **2:05**
